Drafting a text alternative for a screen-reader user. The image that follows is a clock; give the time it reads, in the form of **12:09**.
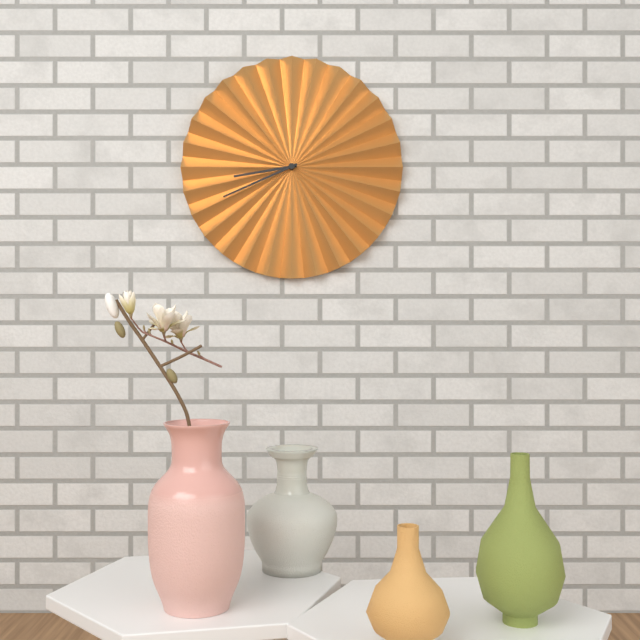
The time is **8:41**
